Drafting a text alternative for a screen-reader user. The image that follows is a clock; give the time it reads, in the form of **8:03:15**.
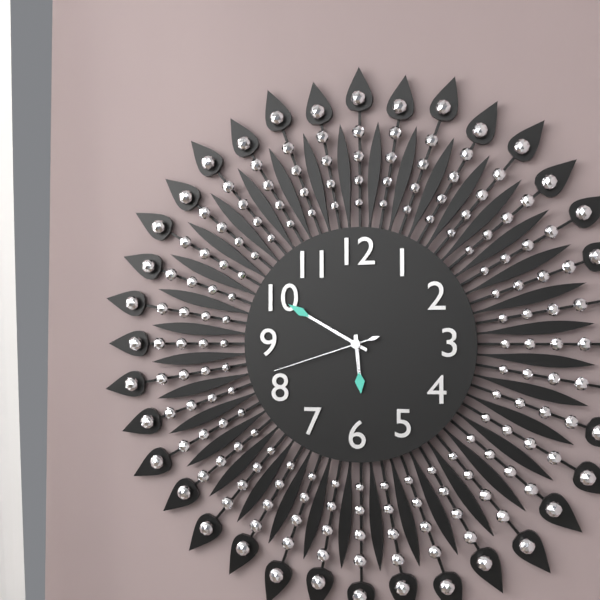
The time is **5:50:42**
